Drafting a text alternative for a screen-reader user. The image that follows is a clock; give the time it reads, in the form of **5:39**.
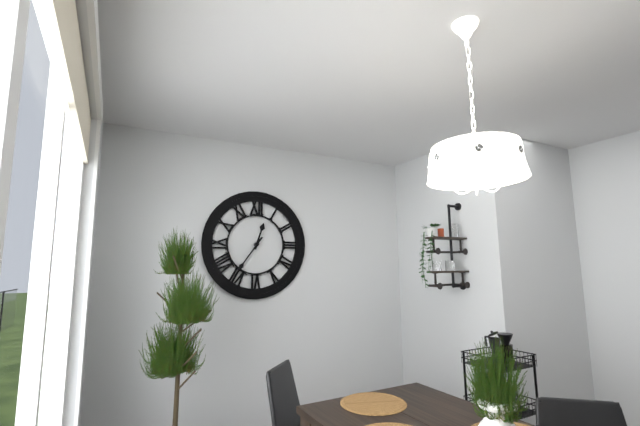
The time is **12:36**
